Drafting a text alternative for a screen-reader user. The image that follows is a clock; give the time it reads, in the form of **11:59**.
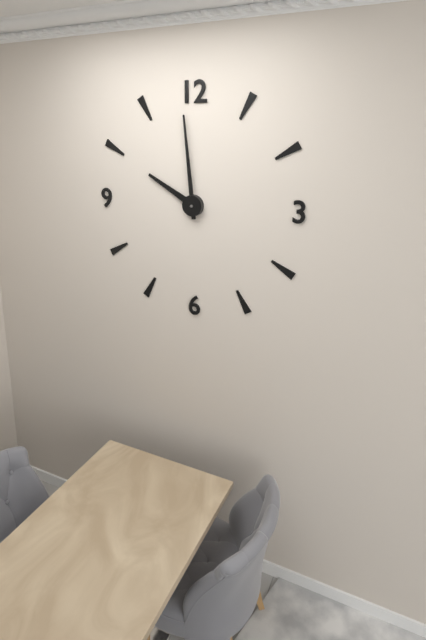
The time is **9:59**
